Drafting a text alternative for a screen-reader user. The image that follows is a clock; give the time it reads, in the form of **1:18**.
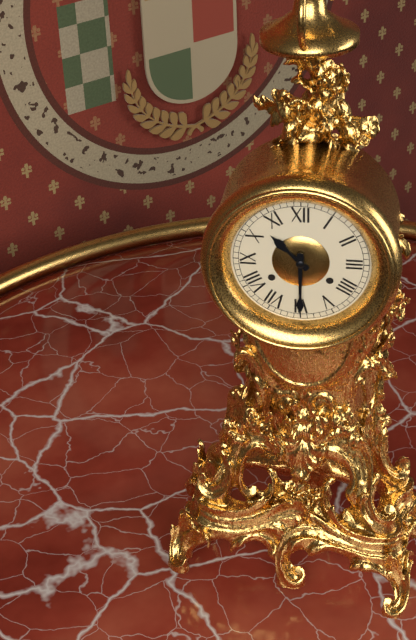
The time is **10:30**
